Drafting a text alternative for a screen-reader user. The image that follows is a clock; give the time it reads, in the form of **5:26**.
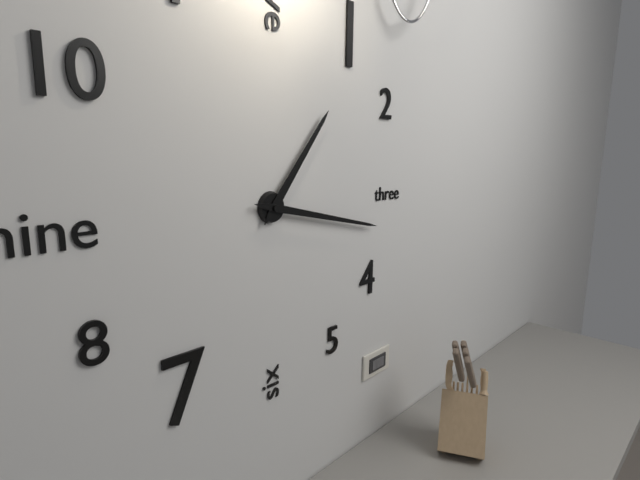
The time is **1:17**
